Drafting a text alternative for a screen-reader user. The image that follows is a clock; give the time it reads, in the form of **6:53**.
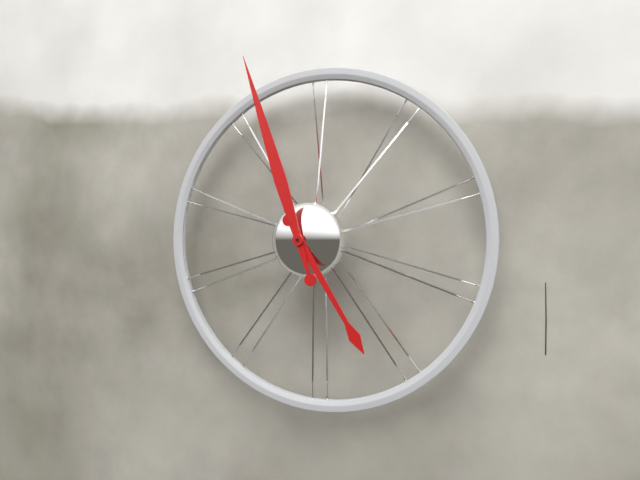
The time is **4:57**
